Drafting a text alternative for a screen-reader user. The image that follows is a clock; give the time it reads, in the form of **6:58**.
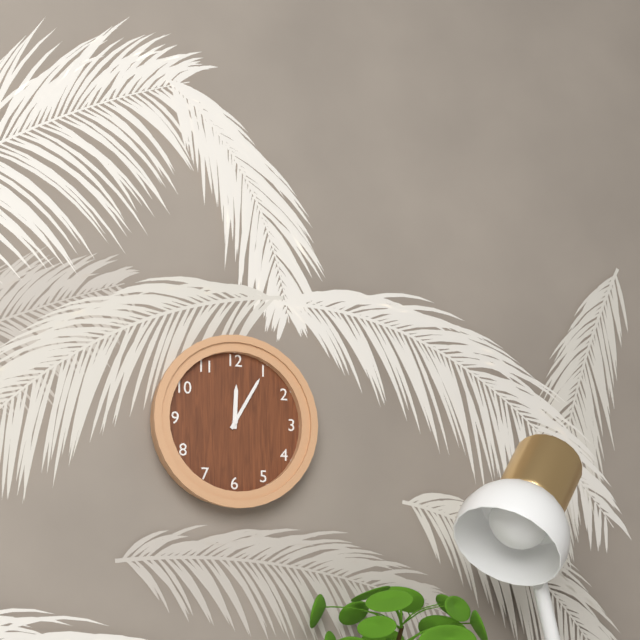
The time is **12:05**
